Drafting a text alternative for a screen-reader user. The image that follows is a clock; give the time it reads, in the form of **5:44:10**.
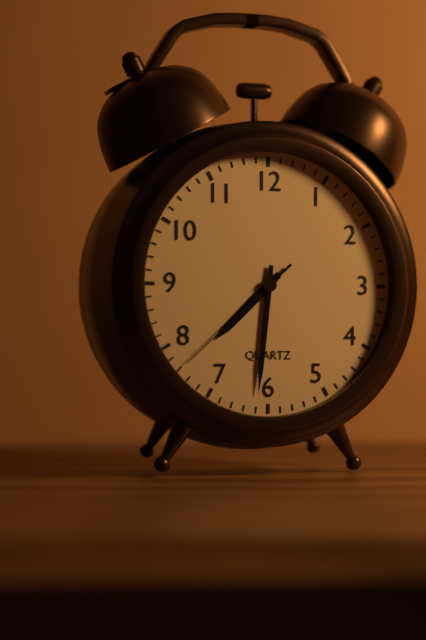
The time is **7:31:38**
